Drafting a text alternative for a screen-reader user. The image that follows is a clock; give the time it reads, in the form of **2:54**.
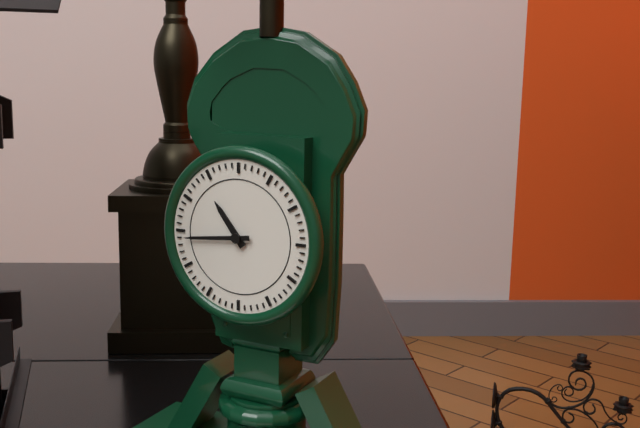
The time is **10:44**
